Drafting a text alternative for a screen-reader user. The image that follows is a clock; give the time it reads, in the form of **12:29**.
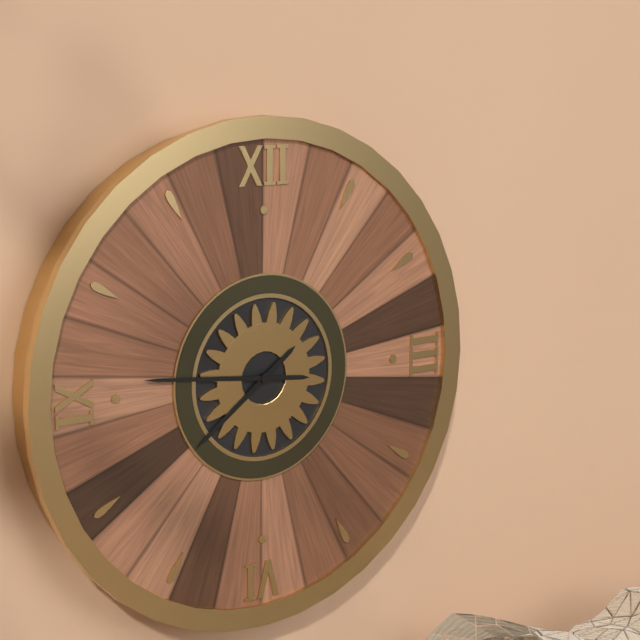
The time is **7:46**
